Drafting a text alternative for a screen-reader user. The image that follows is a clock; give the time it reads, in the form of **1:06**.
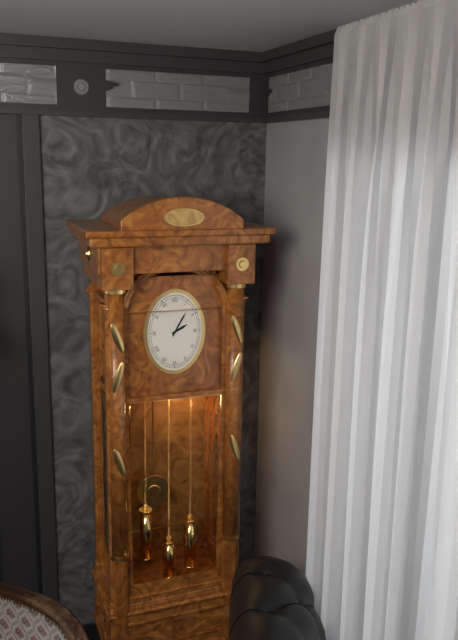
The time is **2:05**
